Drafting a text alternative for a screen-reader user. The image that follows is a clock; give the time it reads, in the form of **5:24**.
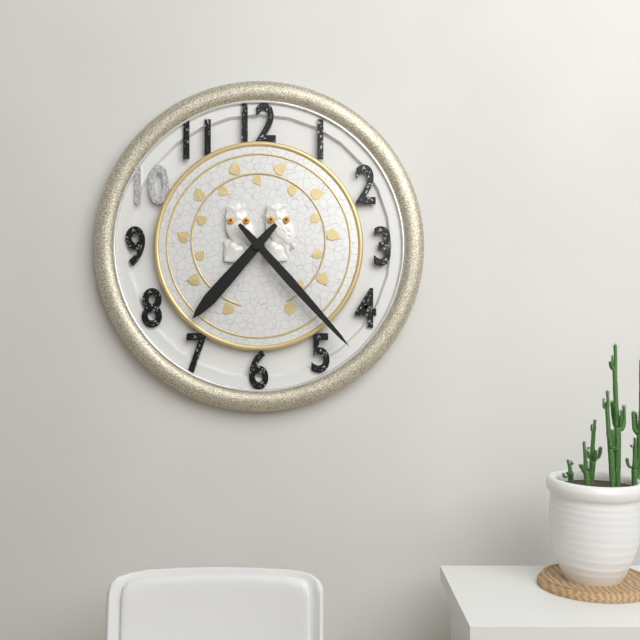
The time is **7:23**
